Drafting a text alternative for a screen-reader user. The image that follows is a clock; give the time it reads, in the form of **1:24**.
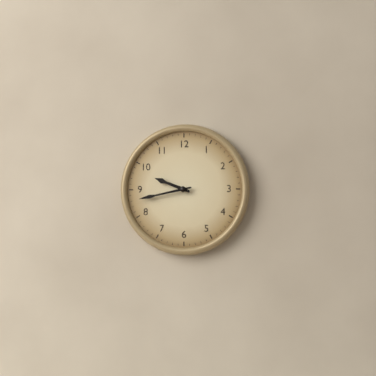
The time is **9:43**
